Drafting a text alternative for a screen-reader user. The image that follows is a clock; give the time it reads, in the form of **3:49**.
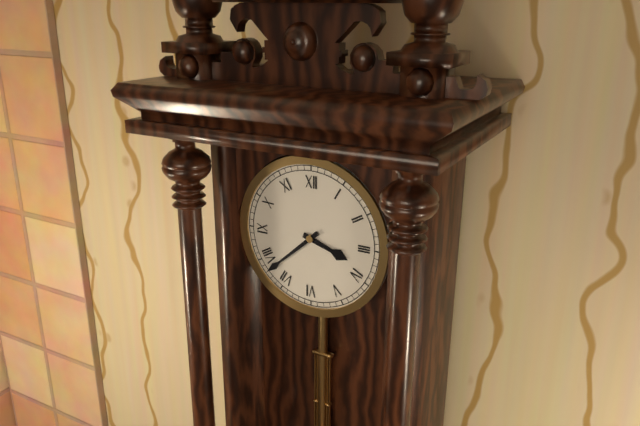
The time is **3:38**
